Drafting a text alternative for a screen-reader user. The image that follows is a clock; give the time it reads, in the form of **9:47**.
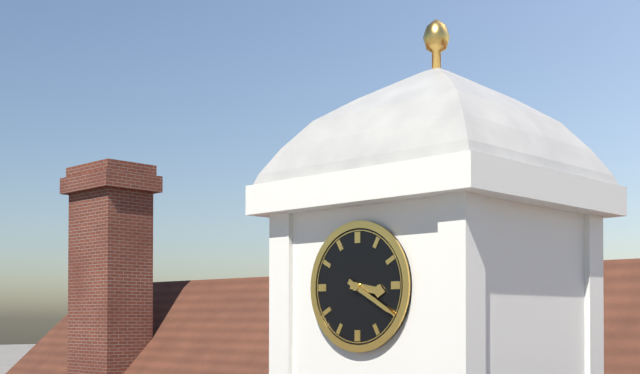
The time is **3:20**
